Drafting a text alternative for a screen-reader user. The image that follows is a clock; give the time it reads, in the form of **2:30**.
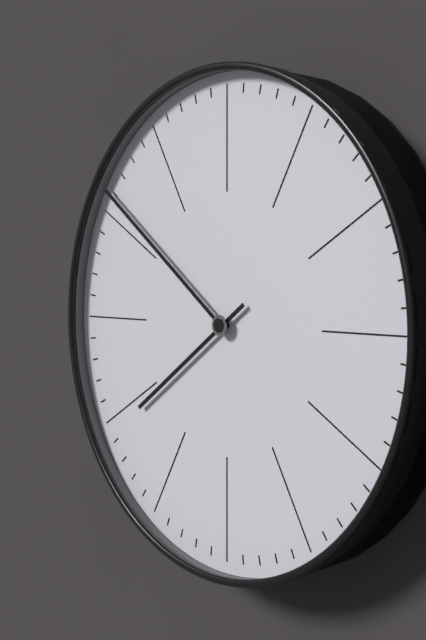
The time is **7:51**
